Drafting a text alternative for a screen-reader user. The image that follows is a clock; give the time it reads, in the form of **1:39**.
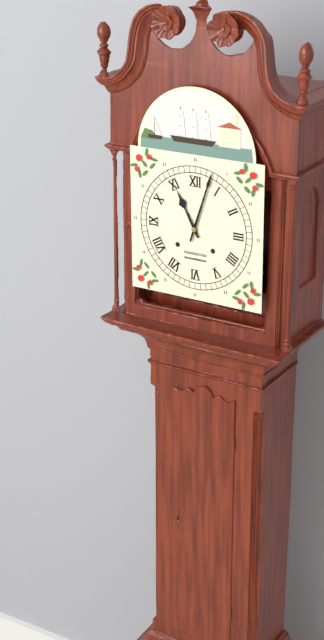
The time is **11:03**
